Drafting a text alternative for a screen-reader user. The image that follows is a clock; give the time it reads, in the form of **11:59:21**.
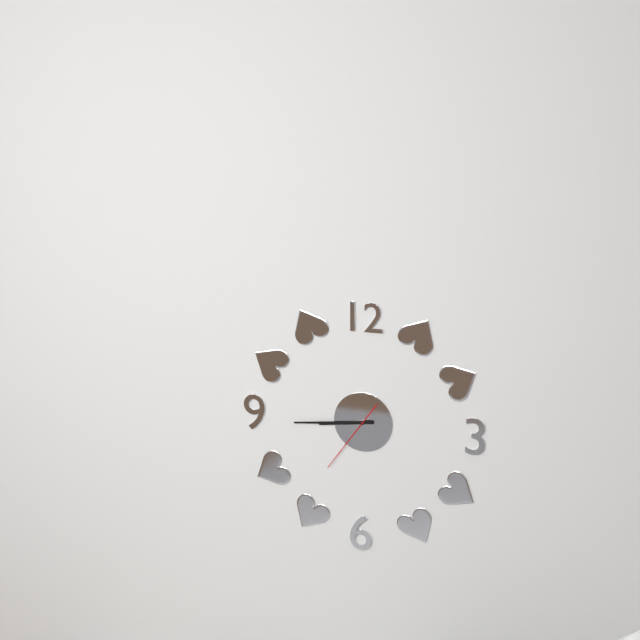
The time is **8:44:36**
